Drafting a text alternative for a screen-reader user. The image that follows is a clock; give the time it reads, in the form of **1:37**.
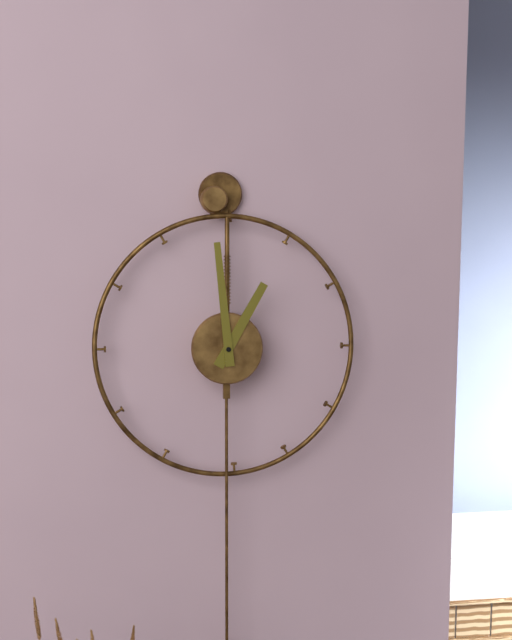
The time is **12:59**
